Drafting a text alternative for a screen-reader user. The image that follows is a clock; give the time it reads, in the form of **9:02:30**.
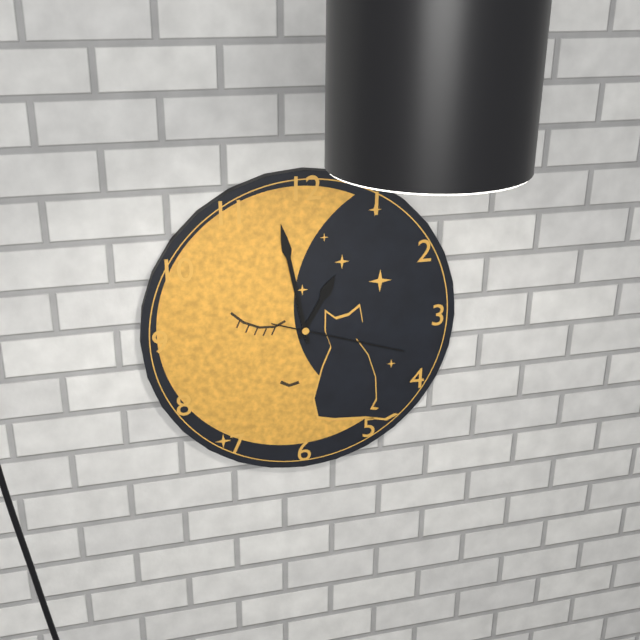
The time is **12:58:18**
